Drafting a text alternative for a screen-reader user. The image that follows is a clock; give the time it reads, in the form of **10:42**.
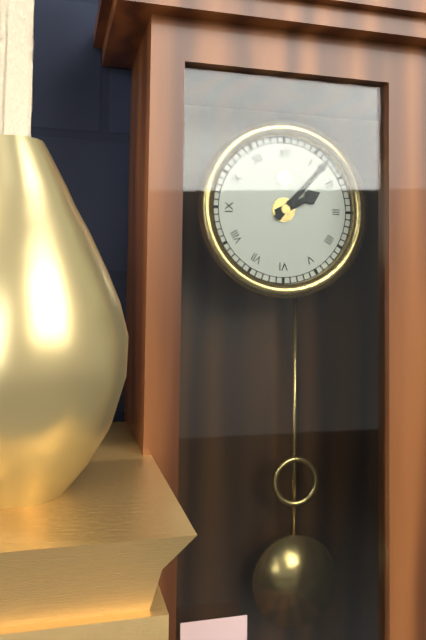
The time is **2:07**
